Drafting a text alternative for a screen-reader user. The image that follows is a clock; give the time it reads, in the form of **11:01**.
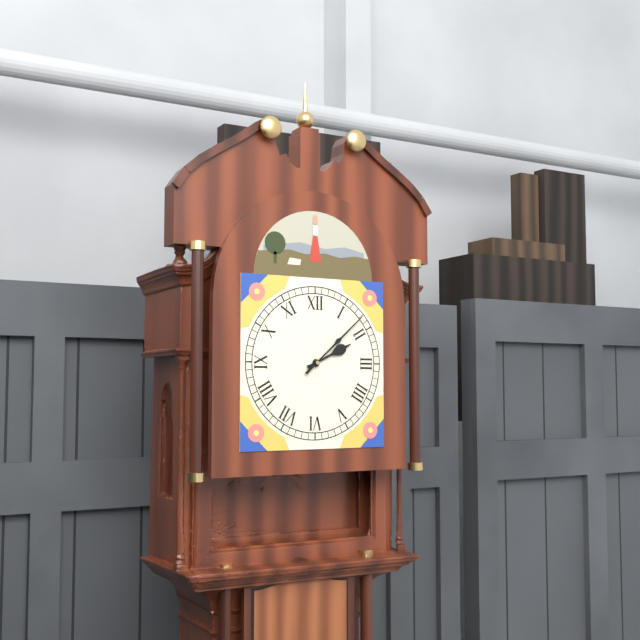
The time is **2:08**
